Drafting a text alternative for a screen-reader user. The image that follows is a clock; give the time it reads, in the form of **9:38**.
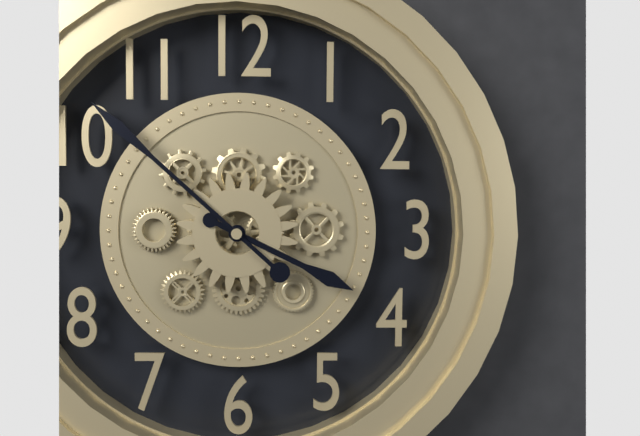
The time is **3:52**
